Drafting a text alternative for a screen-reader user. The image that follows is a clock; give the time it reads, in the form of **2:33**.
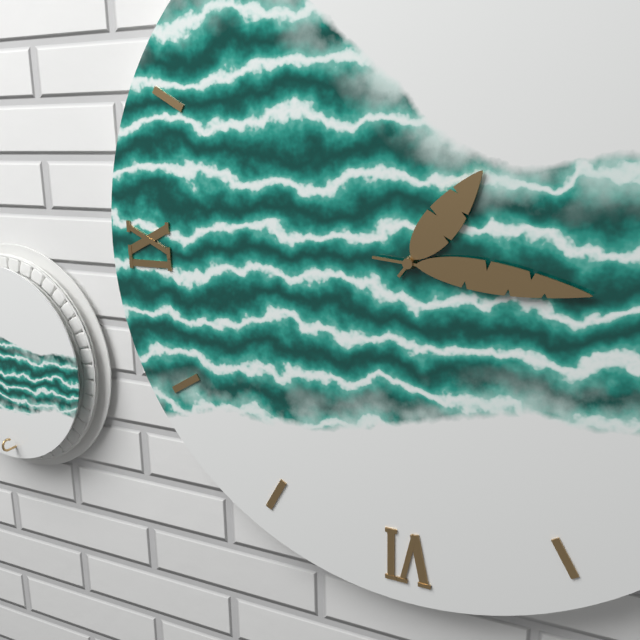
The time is **1:16**
